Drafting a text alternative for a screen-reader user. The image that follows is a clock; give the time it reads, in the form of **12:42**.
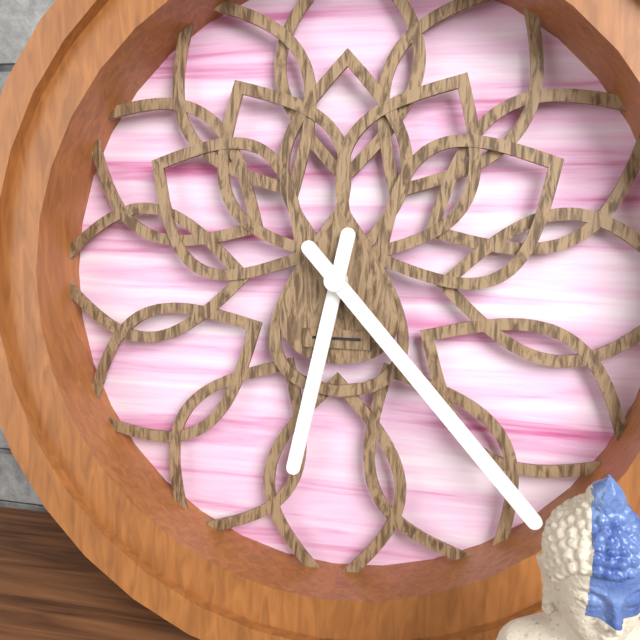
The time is **6:23**
